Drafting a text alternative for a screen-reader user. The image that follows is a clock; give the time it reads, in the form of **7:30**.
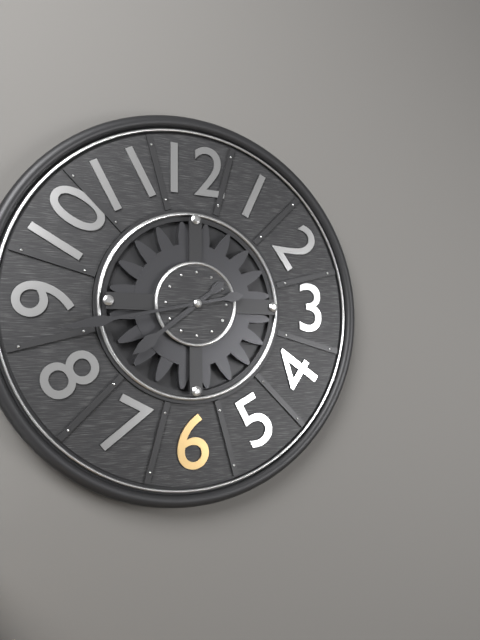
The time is **7:43**
